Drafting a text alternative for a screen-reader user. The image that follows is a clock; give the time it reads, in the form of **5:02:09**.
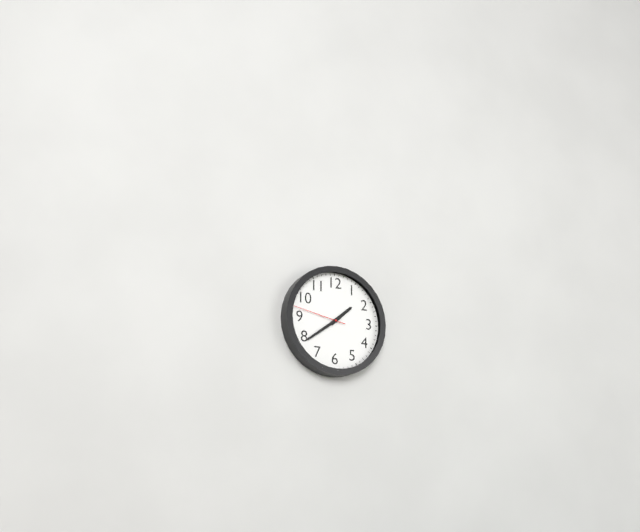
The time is **1:39:47**
